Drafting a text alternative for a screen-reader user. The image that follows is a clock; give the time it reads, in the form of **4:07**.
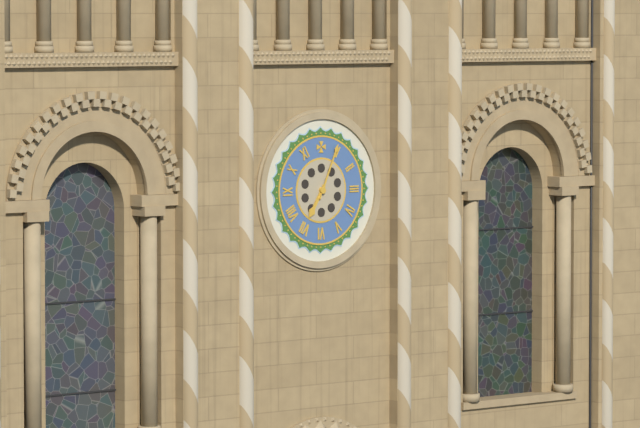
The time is **7:04**
